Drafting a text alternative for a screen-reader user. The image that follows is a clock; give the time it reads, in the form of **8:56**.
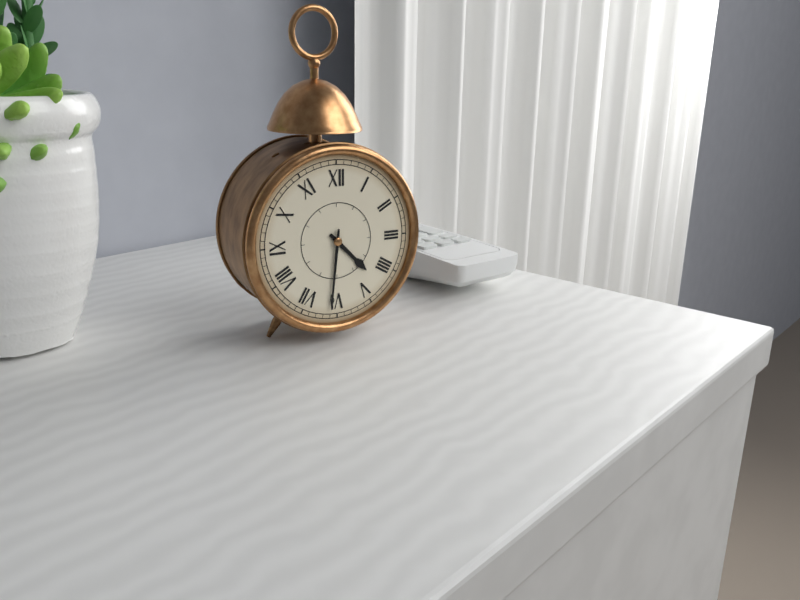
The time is **4:31**
